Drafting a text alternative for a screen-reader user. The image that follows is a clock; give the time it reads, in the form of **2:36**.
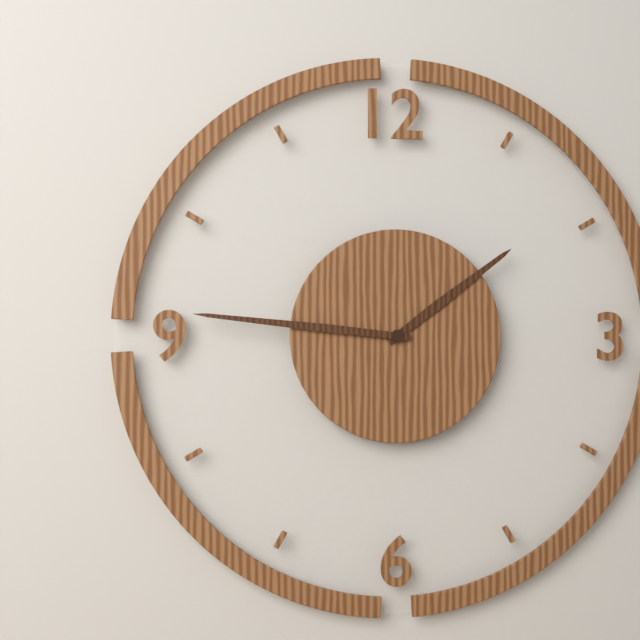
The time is **1:46**
